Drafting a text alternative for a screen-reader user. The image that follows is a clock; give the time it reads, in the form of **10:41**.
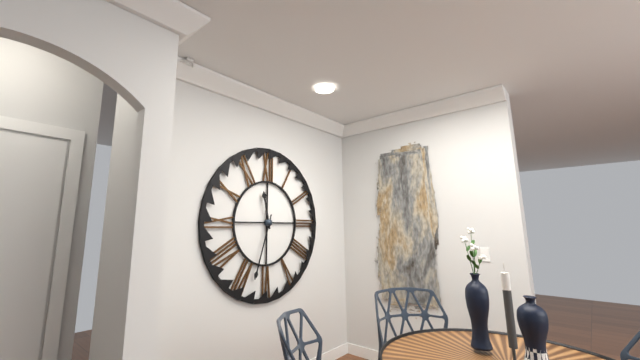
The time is **11:33**
